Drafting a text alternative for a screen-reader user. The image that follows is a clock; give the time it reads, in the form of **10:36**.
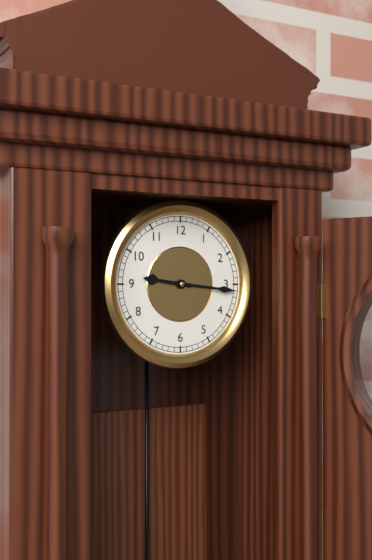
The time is **9:16**
